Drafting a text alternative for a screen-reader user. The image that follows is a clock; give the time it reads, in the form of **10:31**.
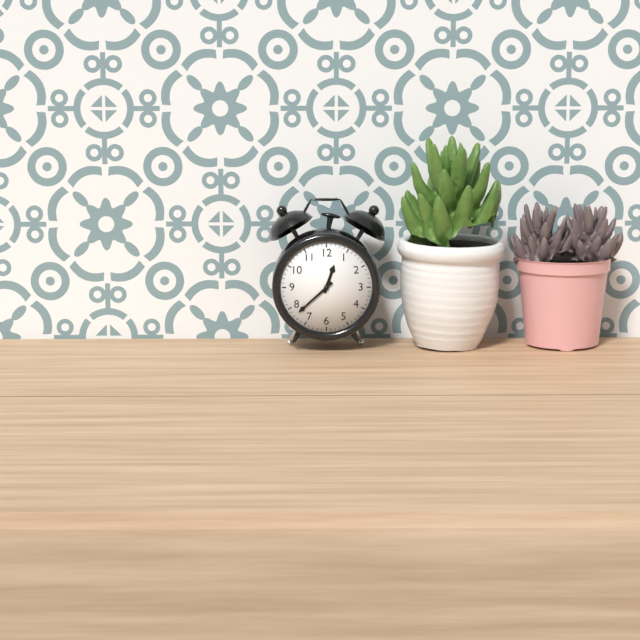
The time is **12:38**
